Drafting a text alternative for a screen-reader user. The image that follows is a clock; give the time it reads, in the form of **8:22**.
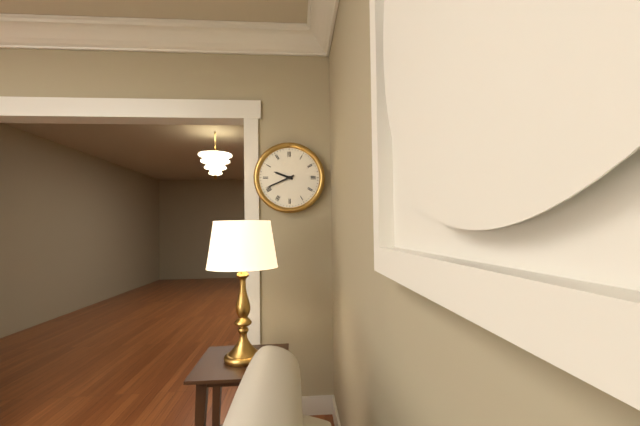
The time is **9:41**
